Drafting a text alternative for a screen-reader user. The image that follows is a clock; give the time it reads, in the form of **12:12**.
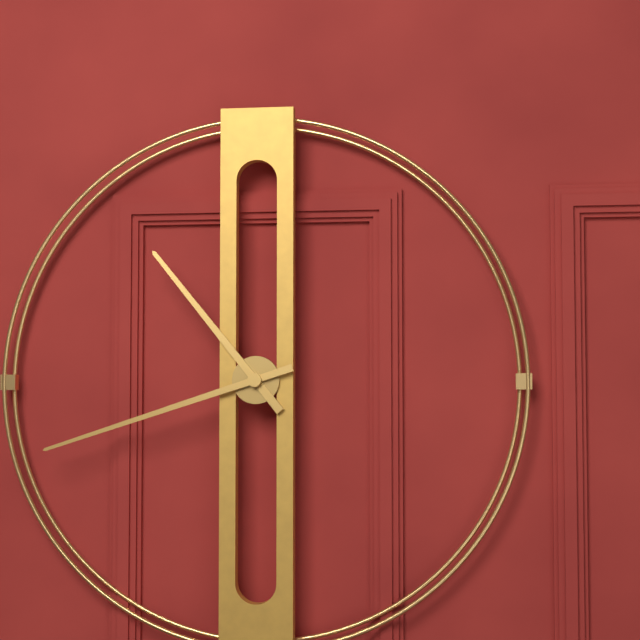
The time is **10:42**
